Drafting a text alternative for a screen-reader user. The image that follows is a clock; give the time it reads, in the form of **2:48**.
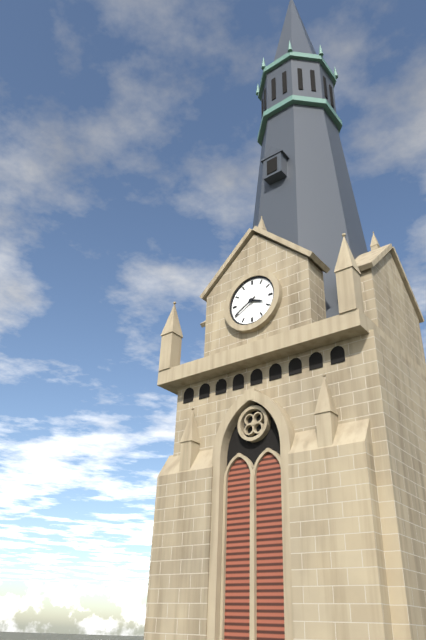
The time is **3:40**
